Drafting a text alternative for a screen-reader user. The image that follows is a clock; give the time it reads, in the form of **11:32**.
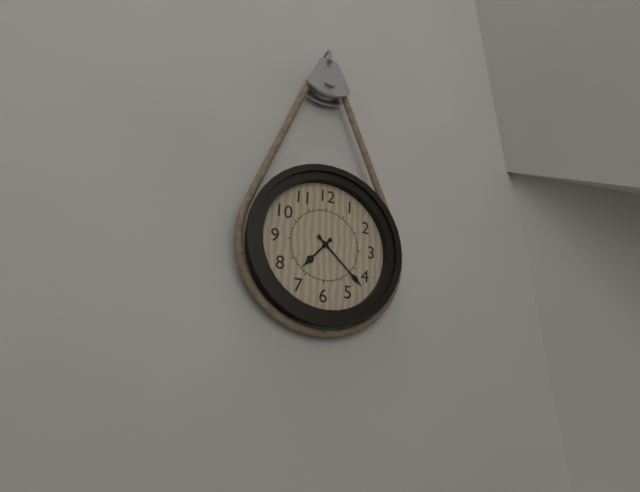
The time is **7:22**
